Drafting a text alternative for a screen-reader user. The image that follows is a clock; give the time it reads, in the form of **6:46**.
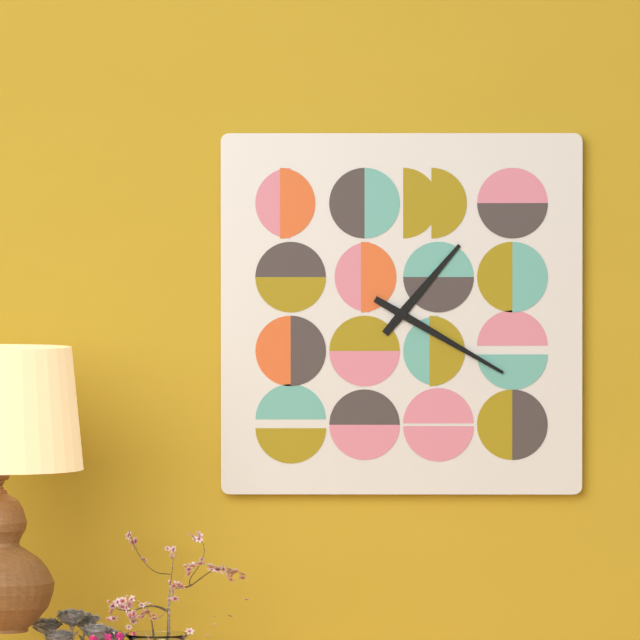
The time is **1:20**
